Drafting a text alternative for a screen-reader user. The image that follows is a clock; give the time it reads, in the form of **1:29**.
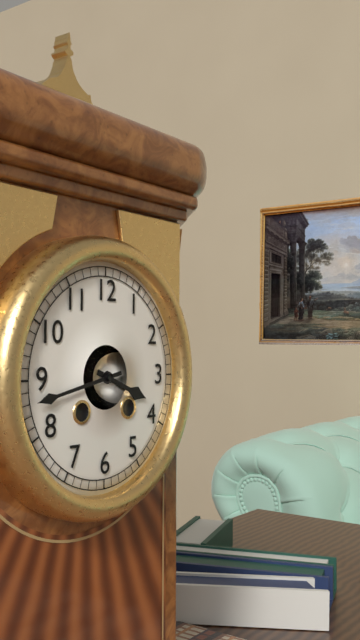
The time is **3:43**
